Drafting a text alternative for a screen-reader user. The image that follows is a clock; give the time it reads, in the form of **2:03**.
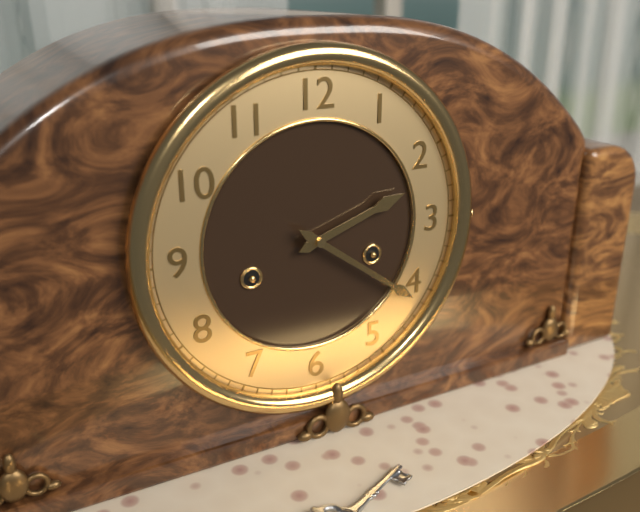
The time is **2:21**
